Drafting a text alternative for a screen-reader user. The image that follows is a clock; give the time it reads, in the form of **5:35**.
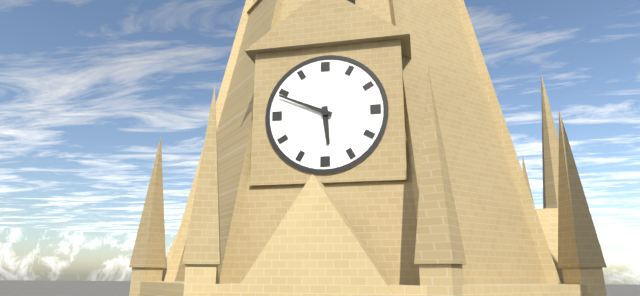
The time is **5:49**
